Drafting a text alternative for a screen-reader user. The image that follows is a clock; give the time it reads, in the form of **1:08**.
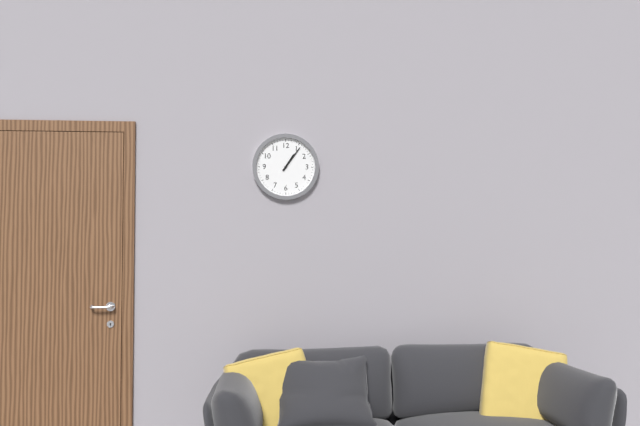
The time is **1:06**
